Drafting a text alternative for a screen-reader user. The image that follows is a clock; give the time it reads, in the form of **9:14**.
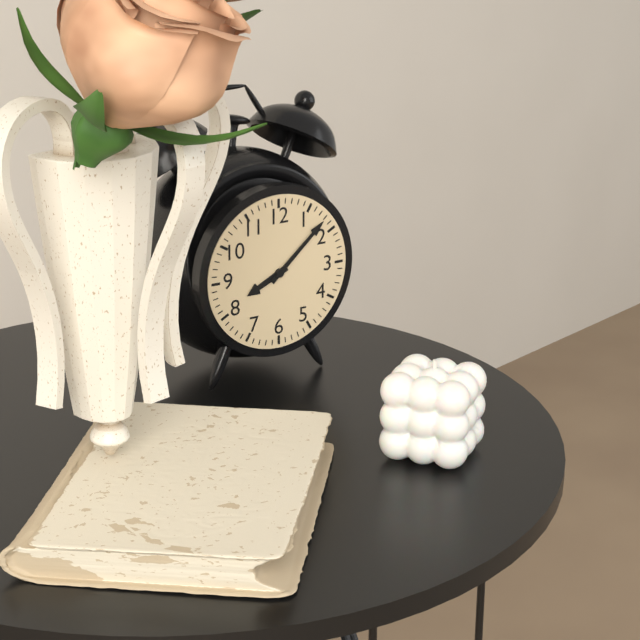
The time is **8:08**
